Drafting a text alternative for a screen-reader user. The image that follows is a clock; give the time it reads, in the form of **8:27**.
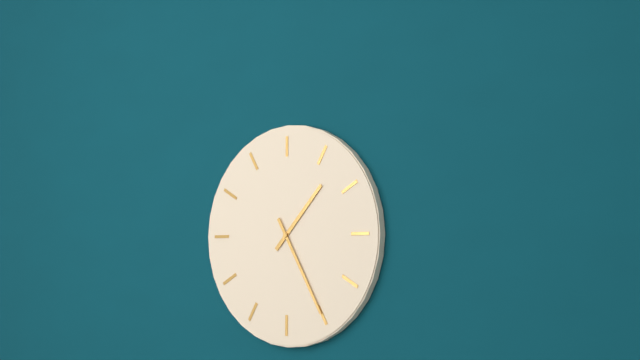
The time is **1:25**
